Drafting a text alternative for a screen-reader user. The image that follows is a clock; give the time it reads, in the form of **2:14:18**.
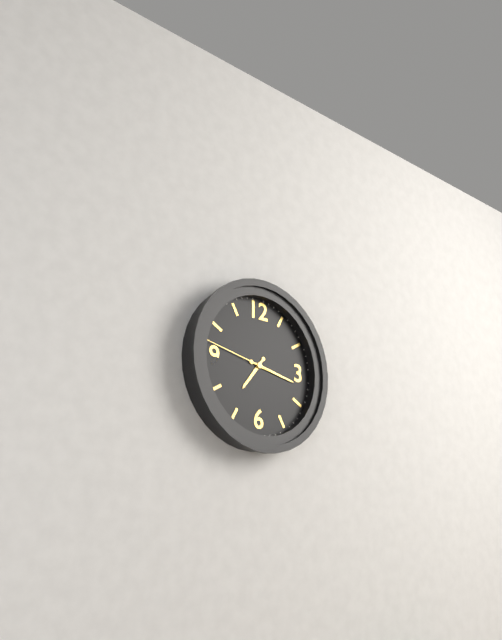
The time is **7:17:47**
